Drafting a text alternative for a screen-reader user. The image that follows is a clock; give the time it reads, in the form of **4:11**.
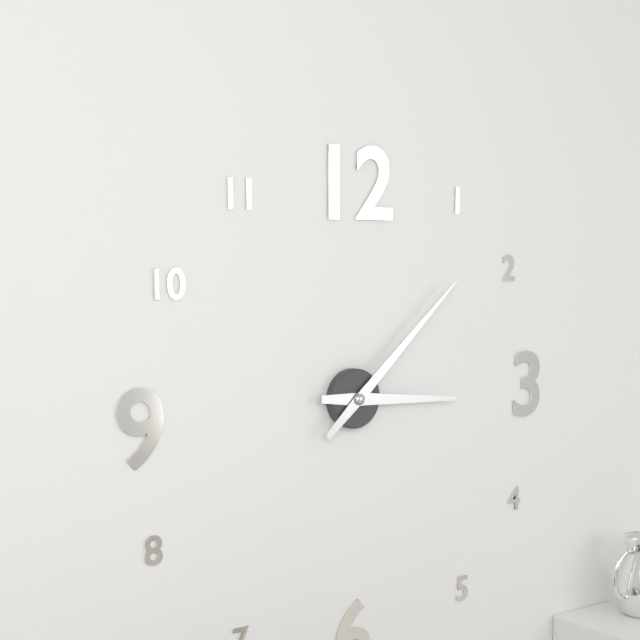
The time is **3:08**
